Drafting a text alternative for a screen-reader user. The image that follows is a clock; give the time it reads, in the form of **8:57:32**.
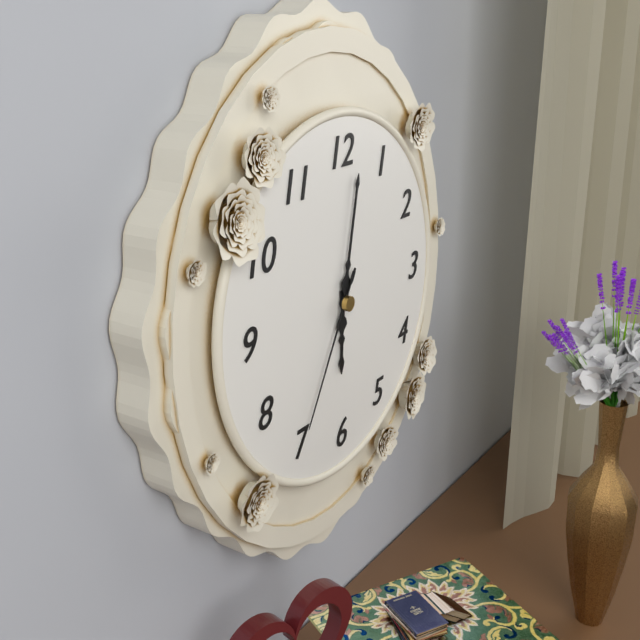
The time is **6:02:35**
